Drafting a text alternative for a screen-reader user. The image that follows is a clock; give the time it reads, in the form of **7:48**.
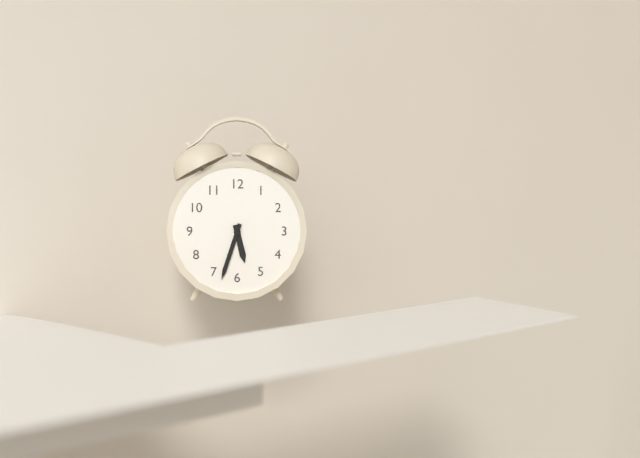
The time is **5:33**
